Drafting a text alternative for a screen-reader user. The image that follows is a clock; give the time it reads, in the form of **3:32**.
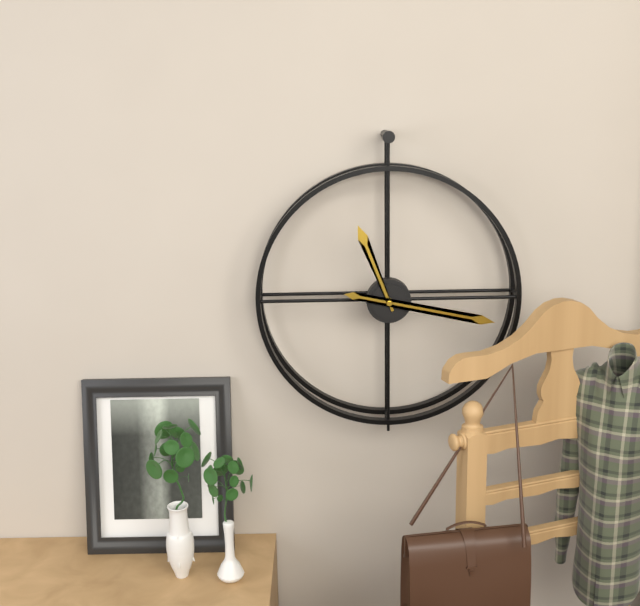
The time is **11:17**
